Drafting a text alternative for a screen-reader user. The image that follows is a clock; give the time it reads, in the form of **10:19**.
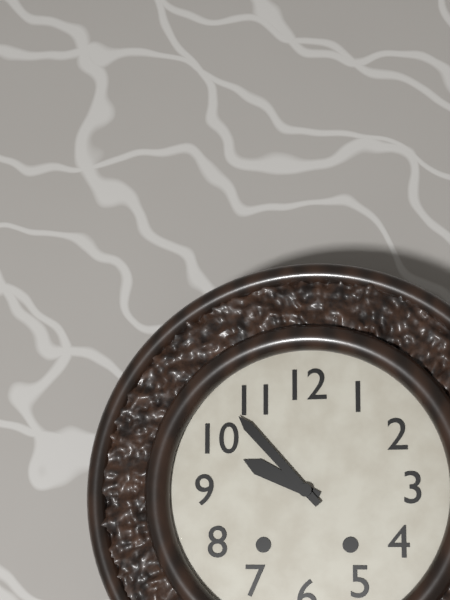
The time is **9:53**
